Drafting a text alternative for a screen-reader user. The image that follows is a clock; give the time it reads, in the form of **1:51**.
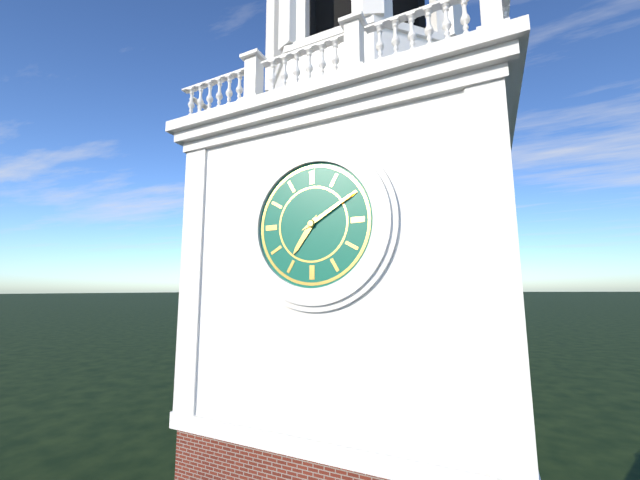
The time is **7:10**
